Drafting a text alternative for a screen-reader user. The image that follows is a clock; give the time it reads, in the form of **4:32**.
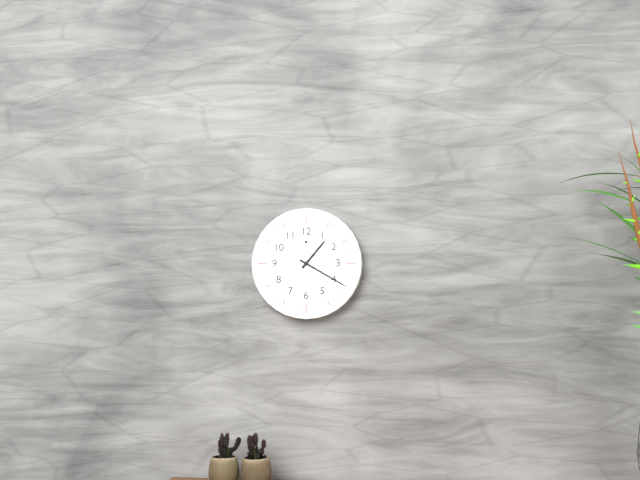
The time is **1:20**
